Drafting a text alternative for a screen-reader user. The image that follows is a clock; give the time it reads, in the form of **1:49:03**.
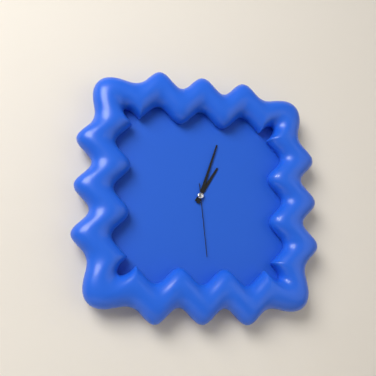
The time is **1:03:29**
